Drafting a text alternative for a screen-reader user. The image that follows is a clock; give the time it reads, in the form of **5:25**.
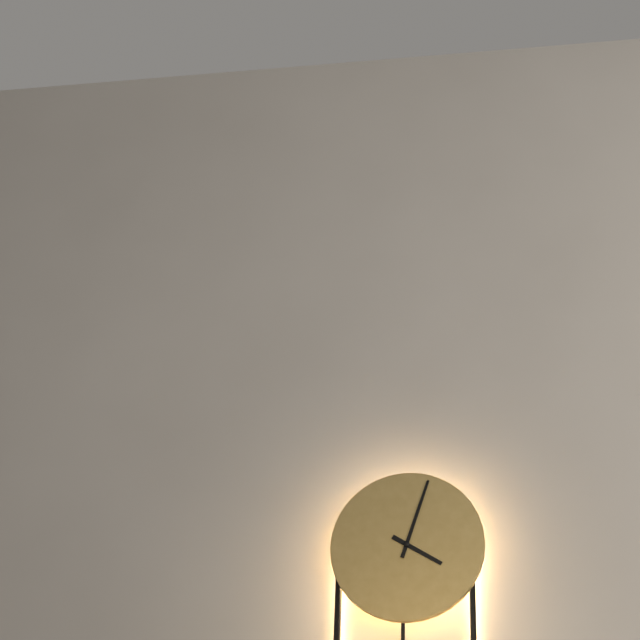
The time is **4:03**
